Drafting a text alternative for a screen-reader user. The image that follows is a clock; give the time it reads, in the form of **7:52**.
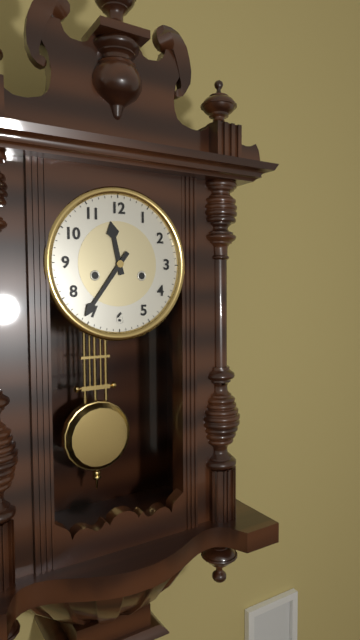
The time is **11:36**
